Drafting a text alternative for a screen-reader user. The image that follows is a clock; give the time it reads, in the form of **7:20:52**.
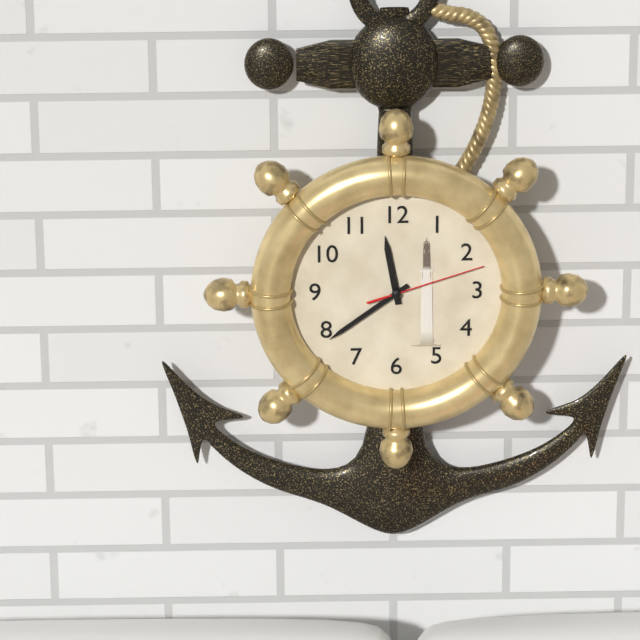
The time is **11:39:12**
